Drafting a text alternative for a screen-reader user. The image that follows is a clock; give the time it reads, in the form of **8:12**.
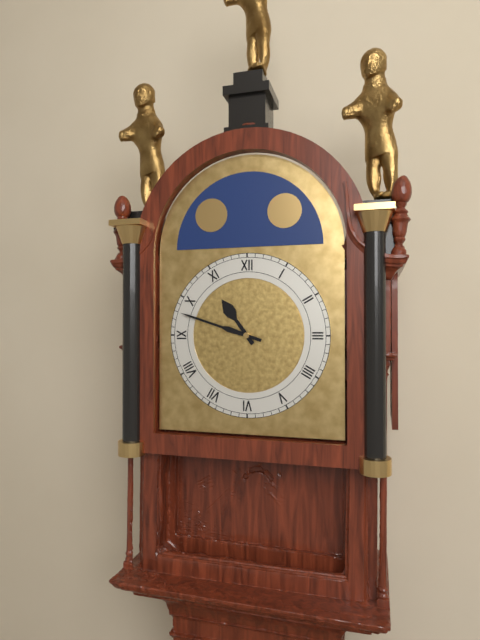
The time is **10:48**
